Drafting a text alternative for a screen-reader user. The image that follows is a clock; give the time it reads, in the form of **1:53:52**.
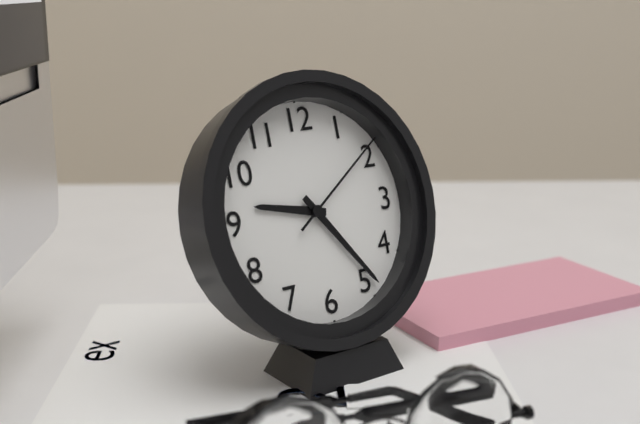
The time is **9:24:09**
